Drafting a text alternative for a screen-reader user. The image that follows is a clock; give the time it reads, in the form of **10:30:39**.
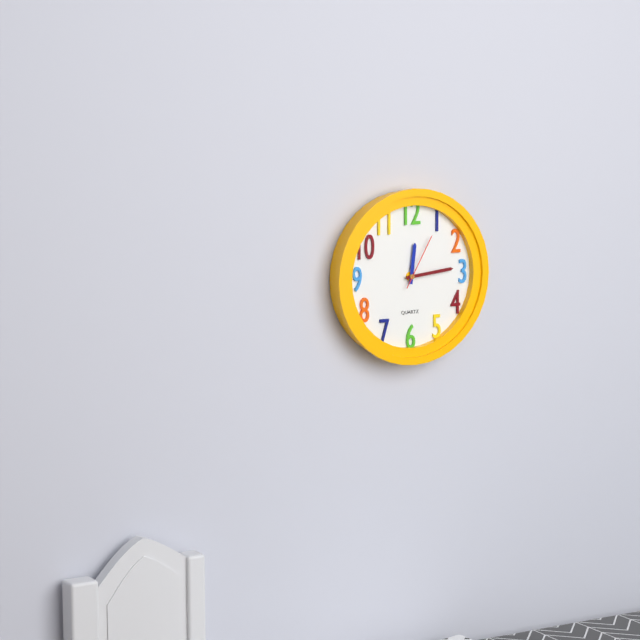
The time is **12:14:05**
